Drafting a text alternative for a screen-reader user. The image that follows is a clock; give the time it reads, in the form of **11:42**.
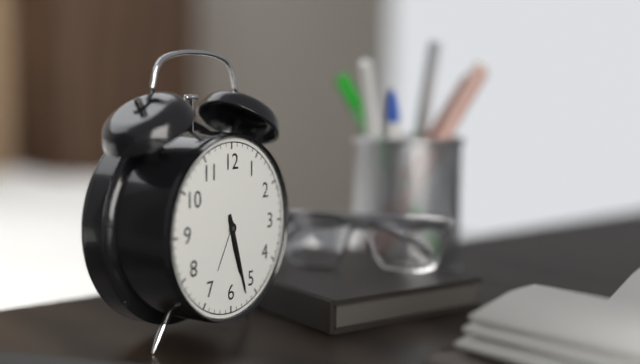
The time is **5:27**
